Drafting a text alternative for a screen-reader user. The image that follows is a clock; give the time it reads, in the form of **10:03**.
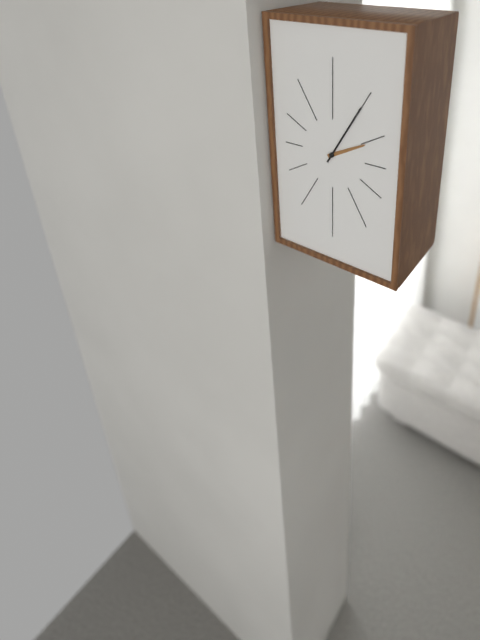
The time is **2:05**
